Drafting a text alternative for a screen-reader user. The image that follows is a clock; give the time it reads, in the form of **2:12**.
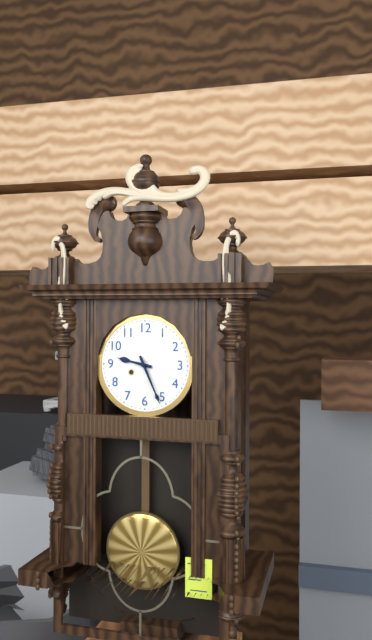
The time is **9:26**
